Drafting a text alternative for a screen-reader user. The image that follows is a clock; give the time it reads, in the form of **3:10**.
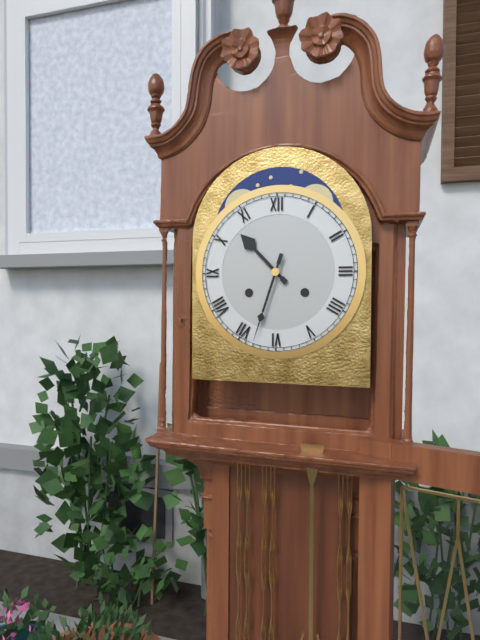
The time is **10:33**
